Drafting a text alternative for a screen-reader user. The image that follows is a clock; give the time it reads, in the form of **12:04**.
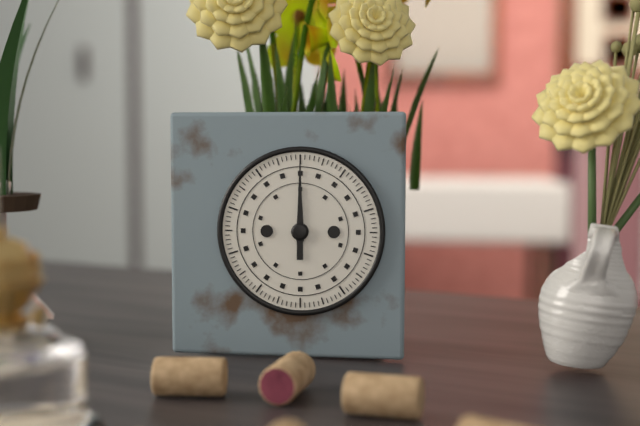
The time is **12:00**
